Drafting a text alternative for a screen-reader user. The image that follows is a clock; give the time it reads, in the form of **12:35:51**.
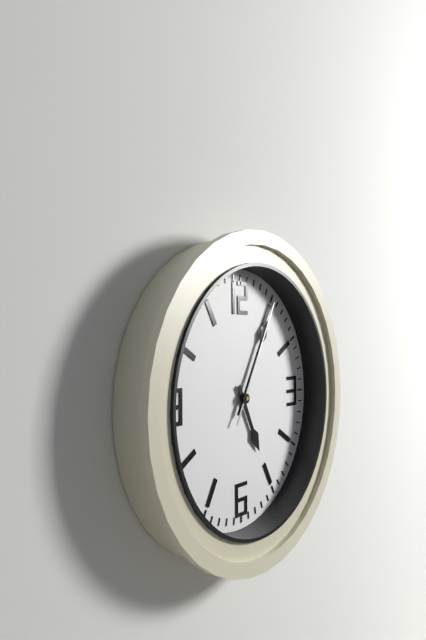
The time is **5:05:05**
